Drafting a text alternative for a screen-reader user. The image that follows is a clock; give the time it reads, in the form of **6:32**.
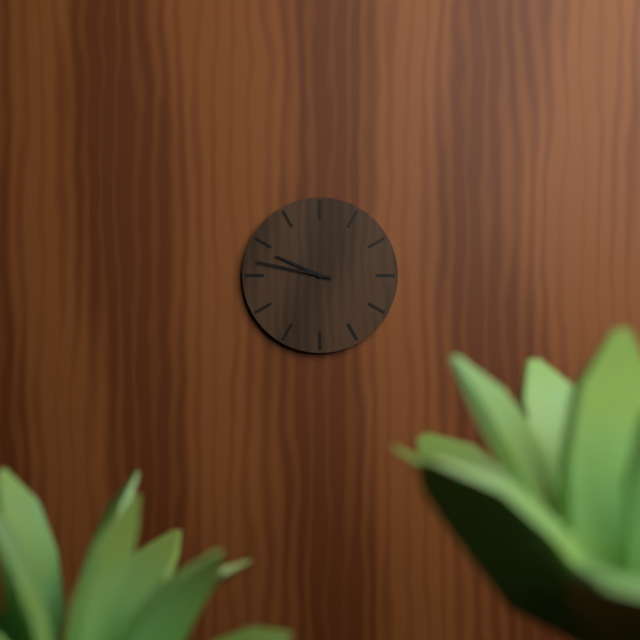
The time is **9:47**
